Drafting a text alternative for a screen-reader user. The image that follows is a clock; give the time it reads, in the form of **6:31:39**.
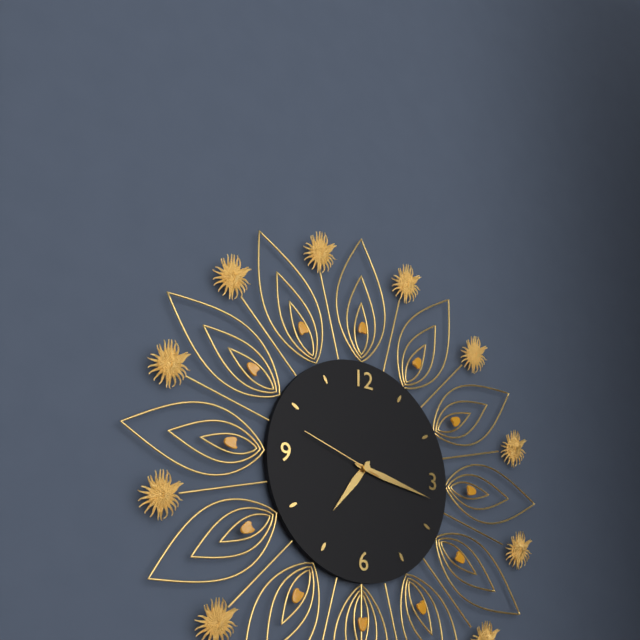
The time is **7:17:48**
